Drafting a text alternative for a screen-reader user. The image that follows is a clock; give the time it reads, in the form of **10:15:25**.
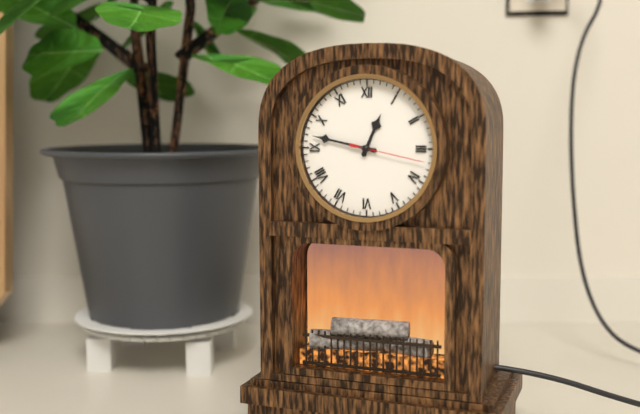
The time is **12:47:17**
